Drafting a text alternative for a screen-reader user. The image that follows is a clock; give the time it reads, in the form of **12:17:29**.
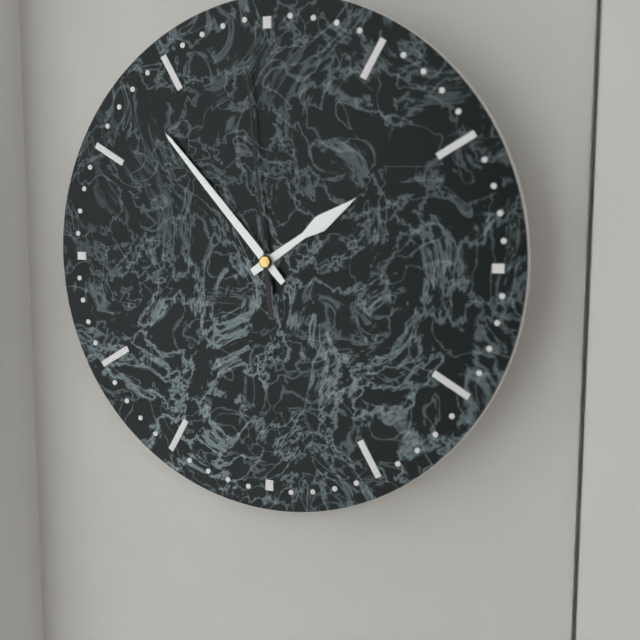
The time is **1:53:59**
